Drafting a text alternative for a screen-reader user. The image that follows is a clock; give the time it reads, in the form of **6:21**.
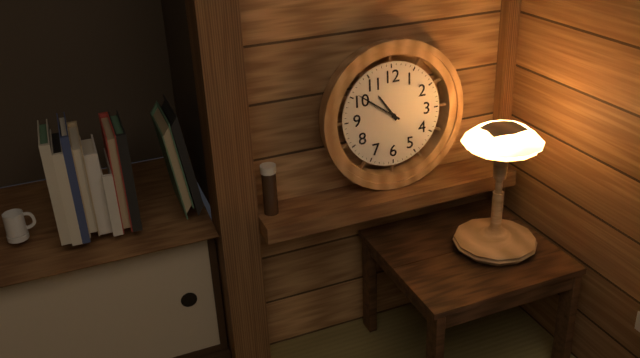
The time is **10:51**
